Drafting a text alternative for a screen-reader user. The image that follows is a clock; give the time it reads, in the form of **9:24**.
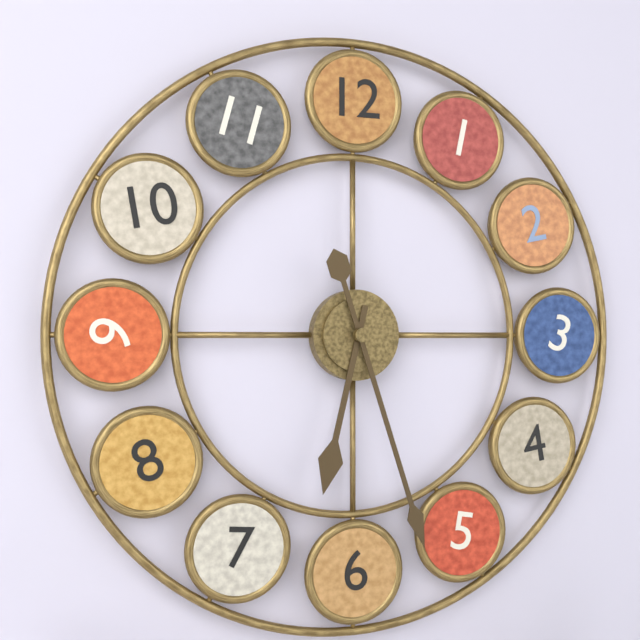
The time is **6:27**
